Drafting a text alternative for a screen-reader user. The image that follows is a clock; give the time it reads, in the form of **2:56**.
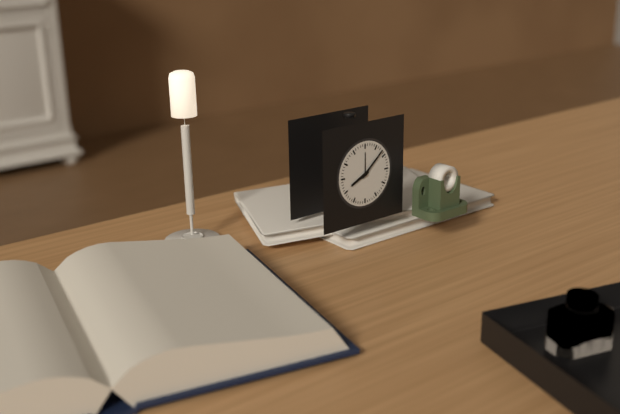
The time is **8:08**
